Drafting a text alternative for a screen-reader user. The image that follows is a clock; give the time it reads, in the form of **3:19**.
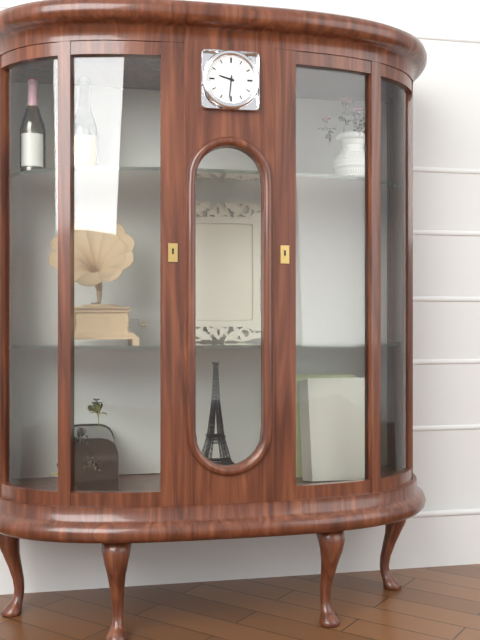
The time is **9:31**
